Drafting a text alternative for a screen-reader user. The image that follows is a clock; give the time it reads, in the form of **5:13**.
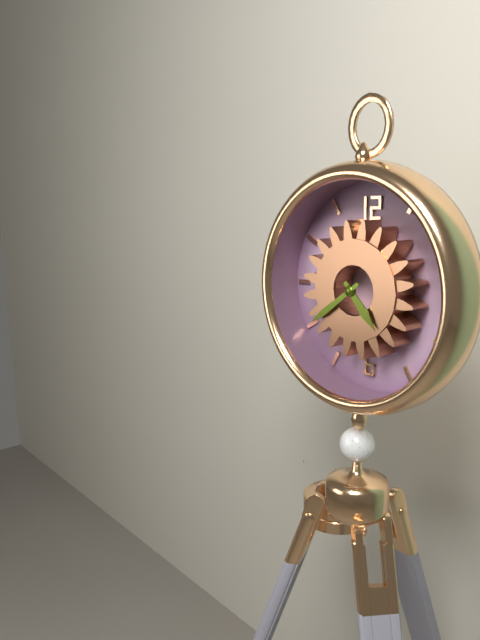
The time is **4:39**
